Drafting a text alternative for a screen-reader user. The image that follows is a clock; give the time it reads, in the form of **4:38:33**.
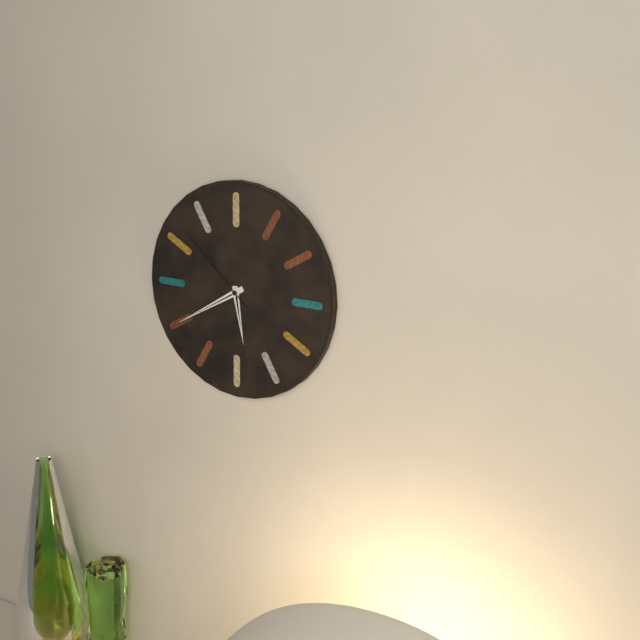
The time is **5:40:52**
